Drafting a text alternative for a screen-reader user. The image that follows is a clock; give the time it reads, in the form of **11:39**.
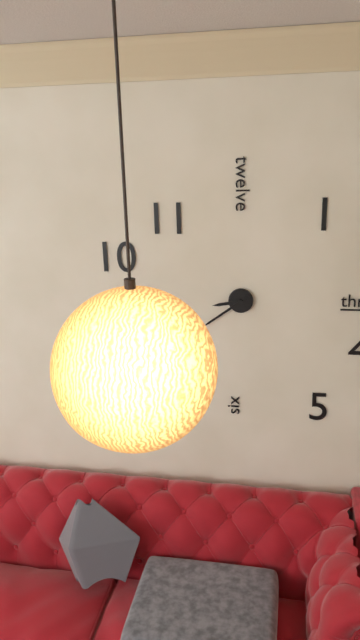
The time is **8:39**
